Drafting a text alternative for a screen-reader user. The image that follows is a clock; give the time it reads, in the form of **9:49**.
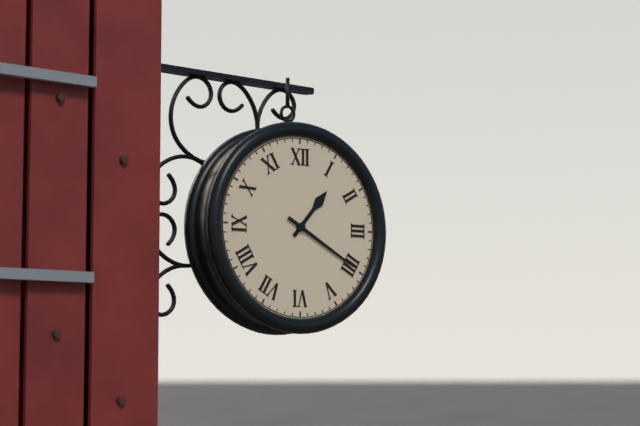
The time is **1:20**
